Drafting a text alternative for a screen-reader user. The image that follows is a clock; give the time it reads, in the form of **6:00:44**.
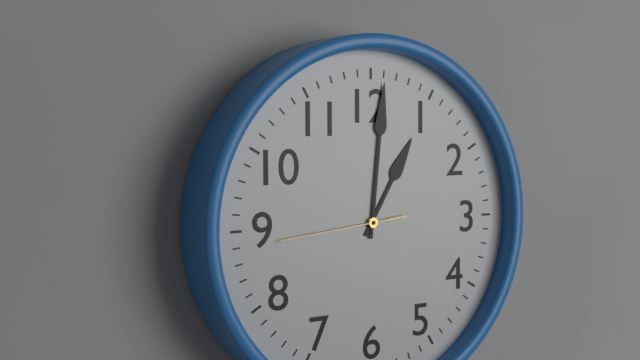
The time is **1:01:44**
